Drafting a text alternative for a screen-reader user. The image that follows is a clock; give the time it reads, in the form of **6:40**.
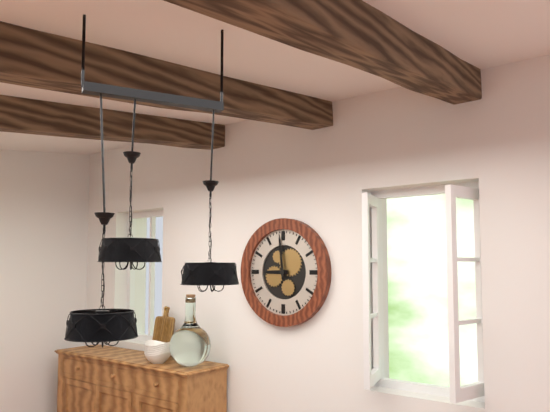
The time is **8:59**
